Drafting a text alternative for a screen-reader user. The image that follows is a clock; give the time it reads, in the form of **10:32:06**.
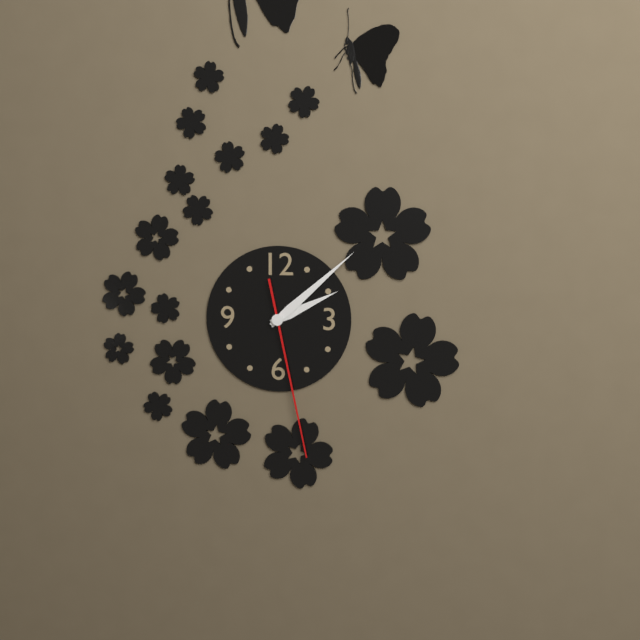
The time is **2:08:28**
